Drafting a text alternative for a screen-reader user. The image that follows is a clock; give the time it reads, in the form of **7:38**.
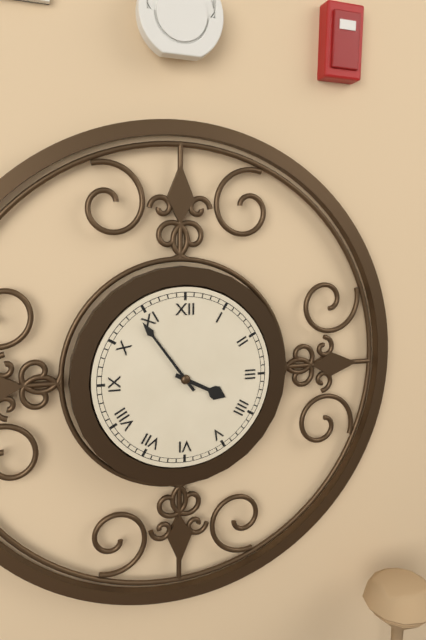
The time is **3:54**
